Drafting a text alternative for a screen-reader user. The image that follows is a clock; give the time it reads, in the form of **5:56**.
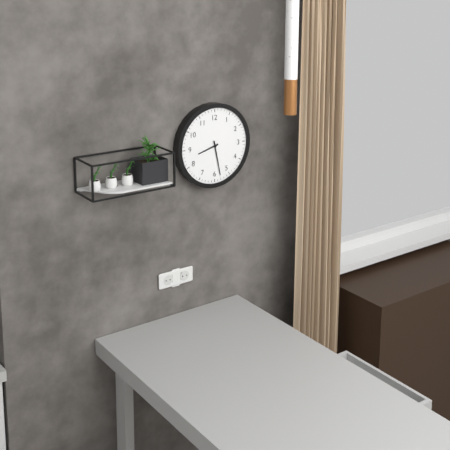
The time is **8:28**
